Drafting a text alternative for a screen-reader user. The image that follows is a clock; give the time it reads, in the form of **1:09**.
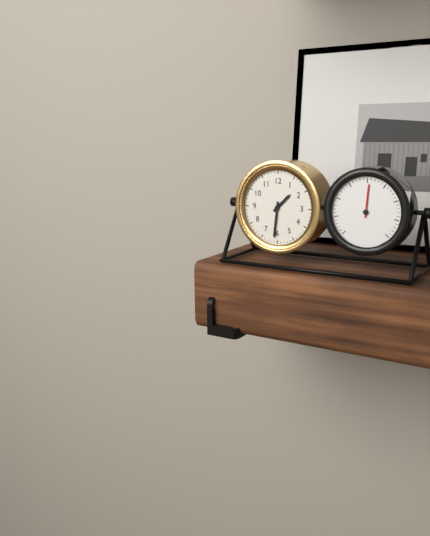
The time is **1:31**
